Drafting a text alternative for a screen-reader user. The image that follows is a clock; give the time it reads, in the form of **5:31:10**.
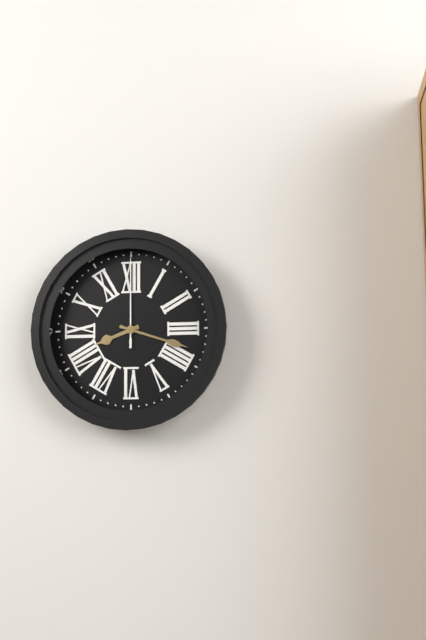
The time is **8:18:00**
